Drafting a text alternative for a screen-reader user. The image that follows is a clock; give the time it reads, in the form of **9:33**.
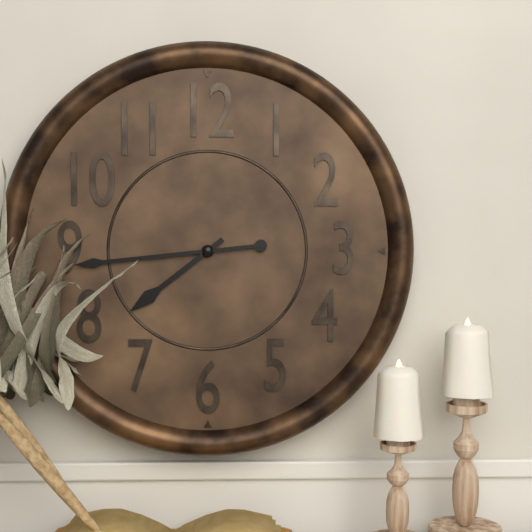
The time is **7:44**
